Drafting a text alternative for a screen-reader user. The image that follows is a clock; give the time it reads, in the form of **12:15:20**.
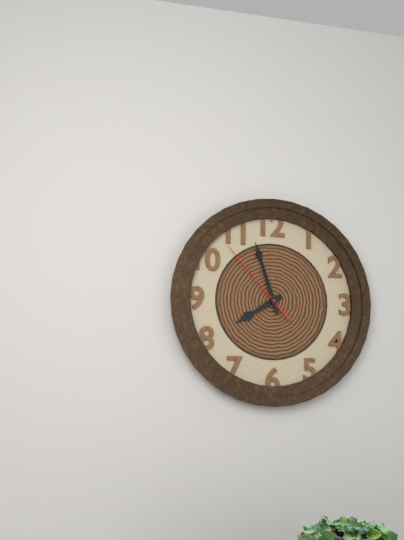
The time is **7:57:53**
